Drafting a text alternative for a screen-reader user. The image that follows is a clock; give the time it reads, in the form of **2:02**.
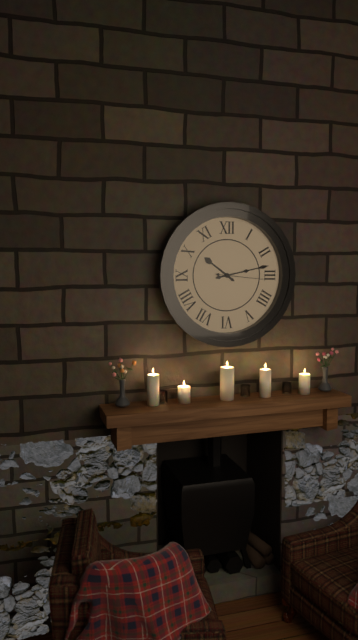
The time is **10:13**
